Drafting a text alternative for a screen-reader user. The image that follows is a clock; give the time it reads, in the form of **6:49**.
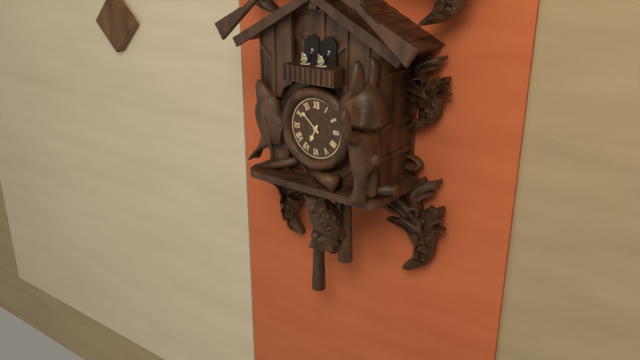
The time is **6:52**
